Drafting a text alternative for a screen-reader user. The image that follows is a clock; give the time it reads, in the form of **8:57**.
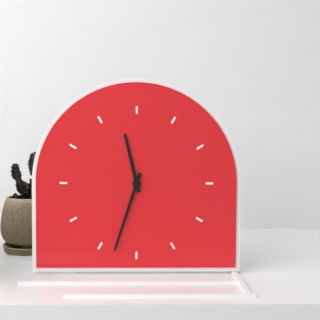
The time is **11:33**
